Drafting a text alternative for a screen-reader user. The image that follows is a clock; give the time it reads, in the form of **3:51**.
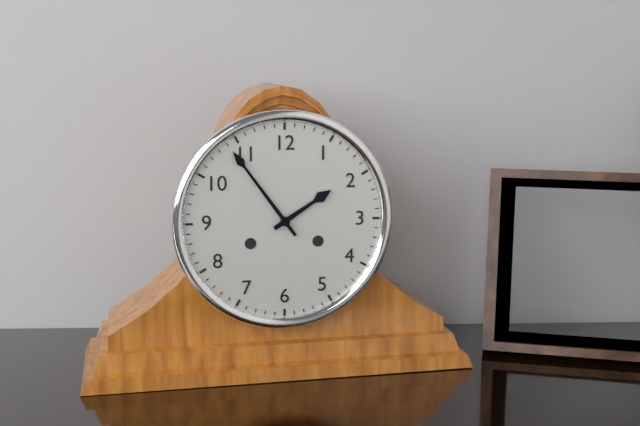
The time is **1:54**
